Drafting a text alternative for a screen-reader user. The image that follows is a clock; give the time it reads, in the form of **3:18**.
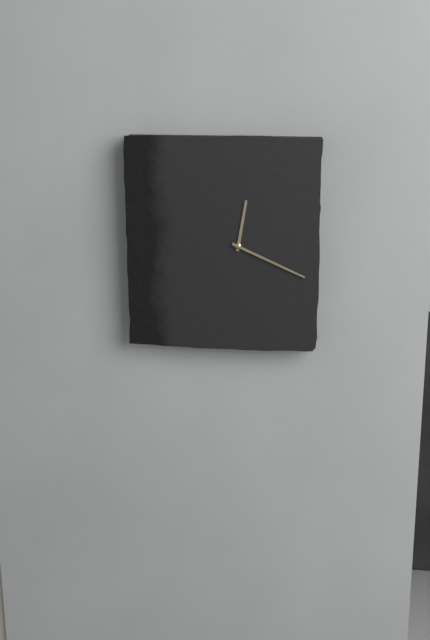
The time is **12:19**
